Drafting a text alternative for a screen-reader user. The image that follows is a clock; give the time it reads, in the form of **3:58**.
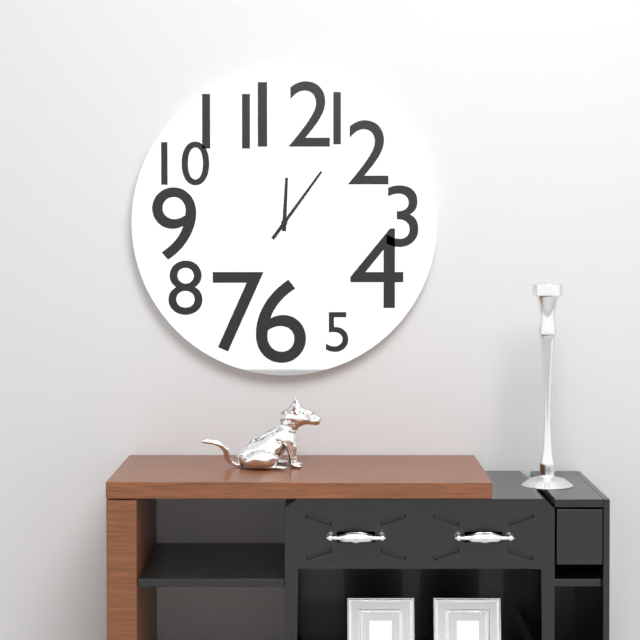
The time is **12:06**
